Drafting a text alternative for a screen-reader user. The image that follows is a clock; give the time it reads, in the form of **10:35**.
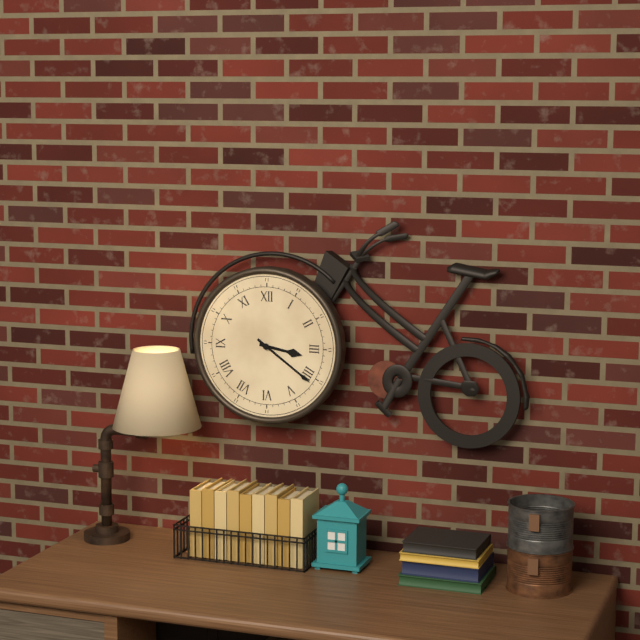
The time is **3:21**
